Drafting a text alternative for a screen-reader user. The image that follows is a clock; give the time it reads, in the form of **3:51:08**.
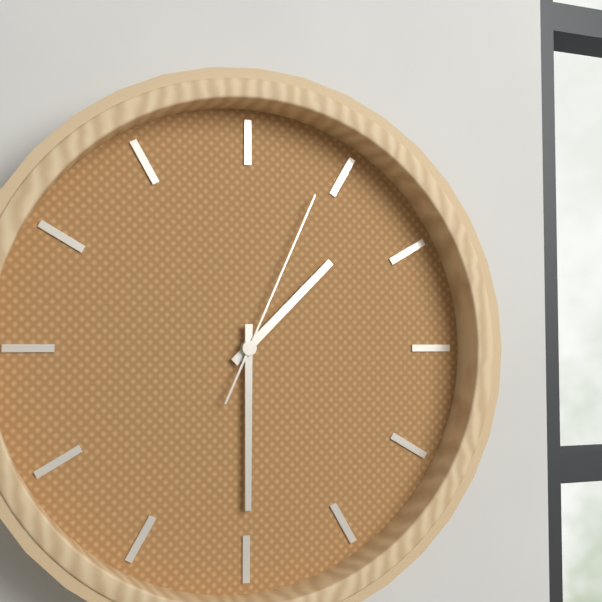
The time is **1:30:04**
